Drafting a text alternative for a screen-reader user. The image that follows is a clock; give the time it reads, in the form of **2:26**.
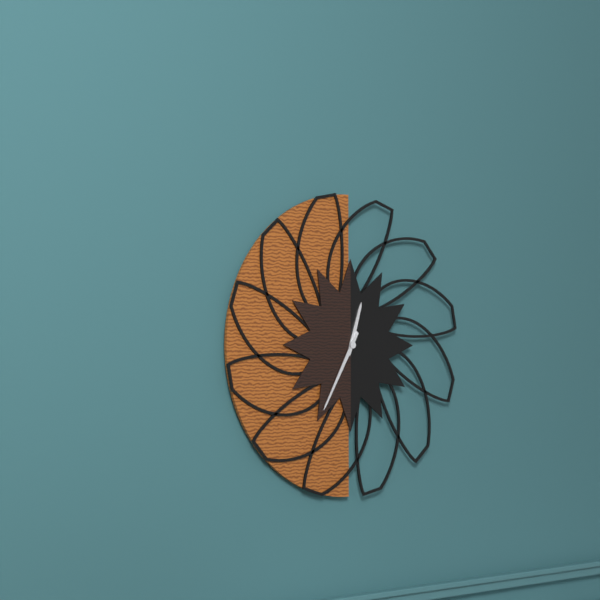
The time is **12:35**
